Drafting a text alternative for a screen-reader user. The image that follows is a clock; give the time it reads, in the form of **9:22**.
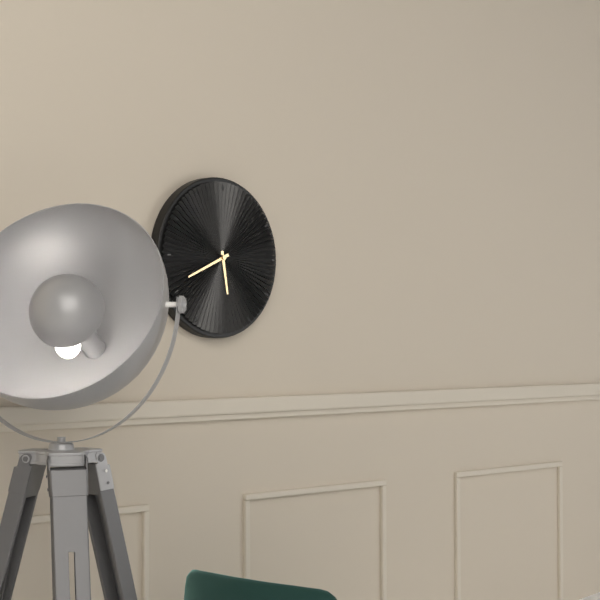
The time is **5:41**
